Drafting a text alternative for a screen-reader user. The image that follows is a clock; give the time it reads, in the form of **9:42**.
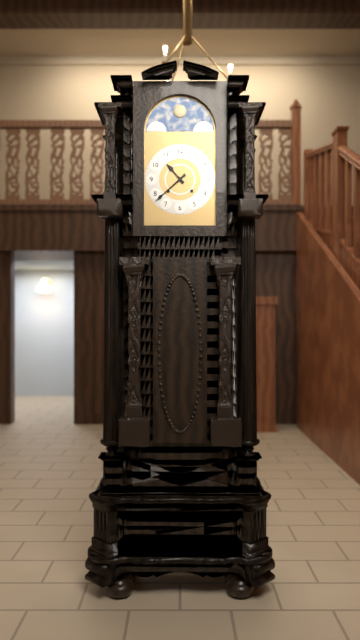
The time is **10:38**
